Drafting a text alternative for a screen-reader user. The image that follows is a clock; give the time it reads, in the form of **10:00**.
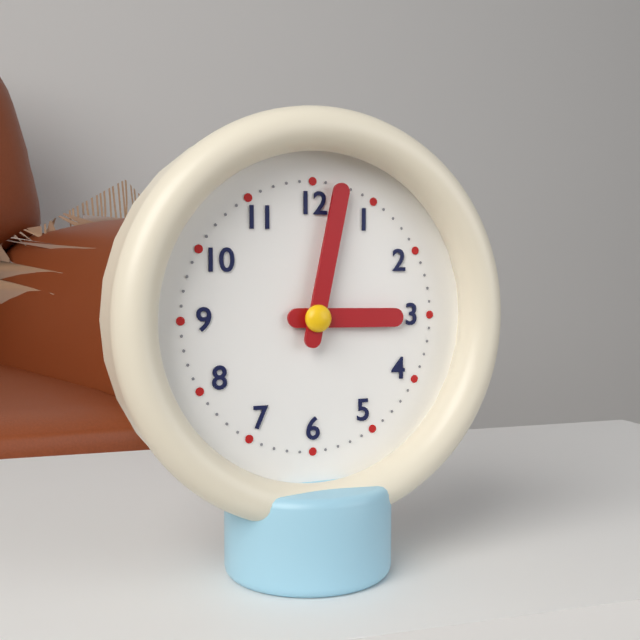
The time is **3:02**
